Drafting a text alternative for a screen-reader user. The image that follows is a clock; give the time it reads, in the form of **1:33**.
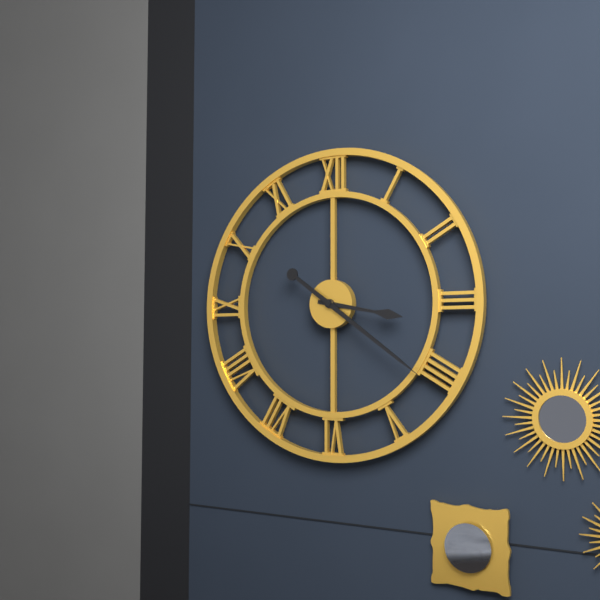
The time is **3:21**
